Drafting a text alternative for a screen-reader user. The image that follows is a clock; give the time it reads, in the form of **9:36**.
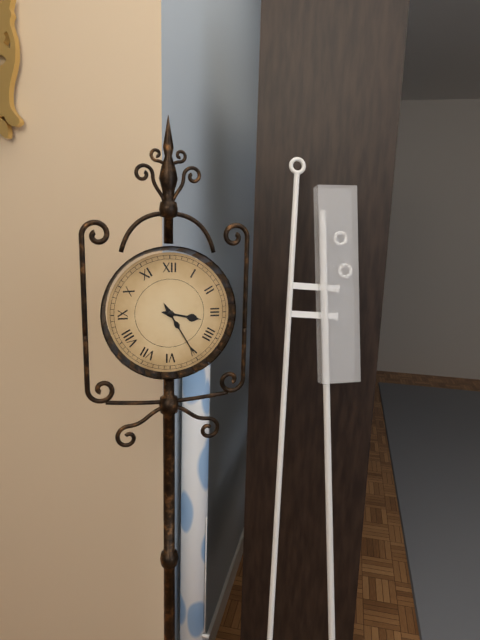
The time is **3:25**
